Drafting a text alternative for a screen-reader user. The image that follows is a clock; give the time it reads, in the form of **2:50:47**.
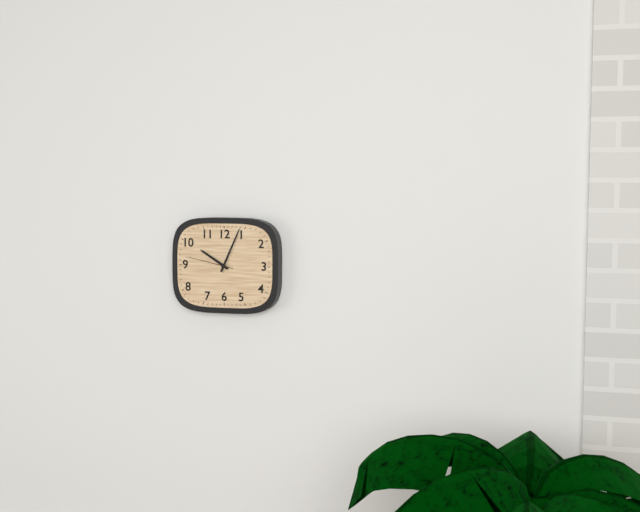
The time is **10:04:47**
